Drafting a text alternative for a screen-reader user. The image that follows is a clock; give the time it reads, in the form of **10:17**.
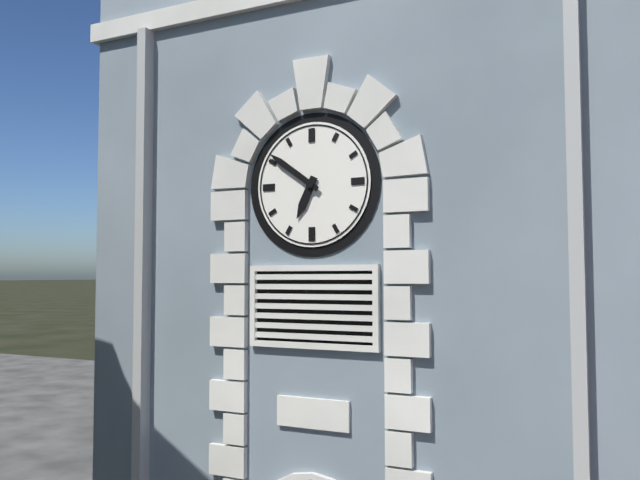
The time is **6:51**
